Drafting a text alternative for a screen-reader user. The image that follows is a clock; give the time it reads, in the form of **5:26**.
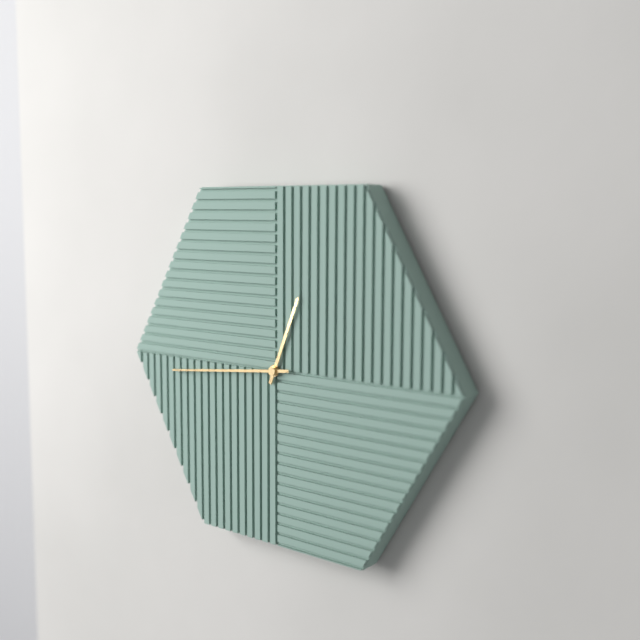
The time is **12:44**
